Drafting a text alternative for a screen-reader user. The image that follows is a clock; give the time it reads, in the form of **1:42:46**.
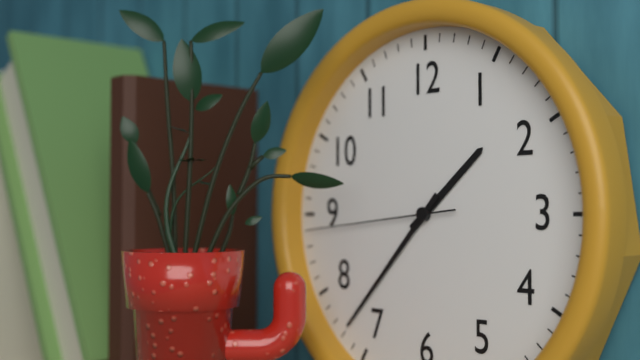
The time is **1:37:44**
